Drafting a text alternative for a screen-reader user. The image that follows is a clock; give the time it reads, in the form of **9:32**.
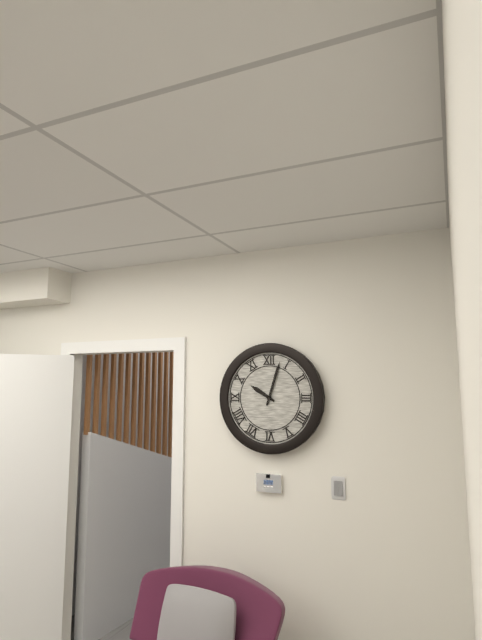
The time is **10:03**
